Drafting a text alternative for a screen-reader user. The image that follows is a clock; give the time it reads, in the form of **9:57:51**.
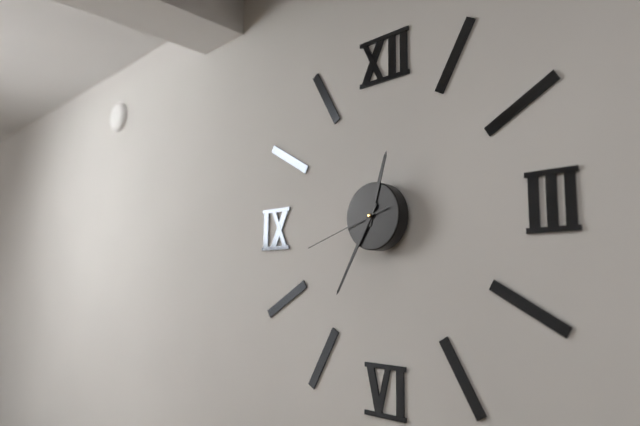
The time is **12:35:42**
